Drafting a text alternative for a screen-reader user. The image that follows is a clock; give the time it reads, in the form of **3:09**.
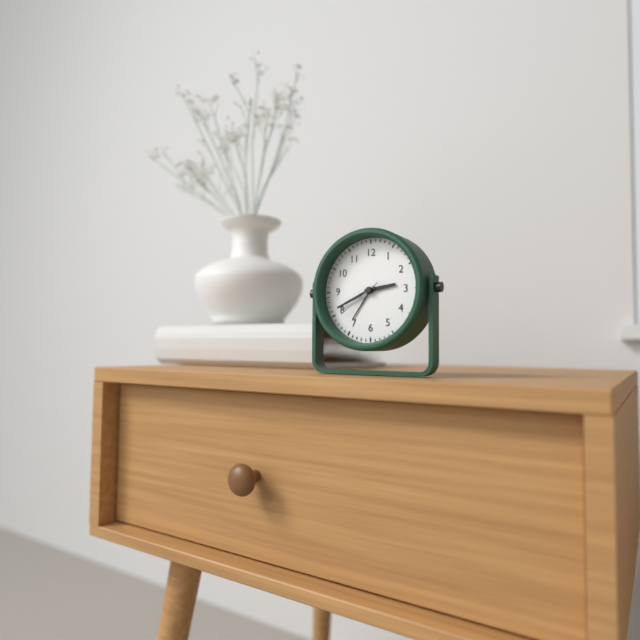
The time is **2:41**
